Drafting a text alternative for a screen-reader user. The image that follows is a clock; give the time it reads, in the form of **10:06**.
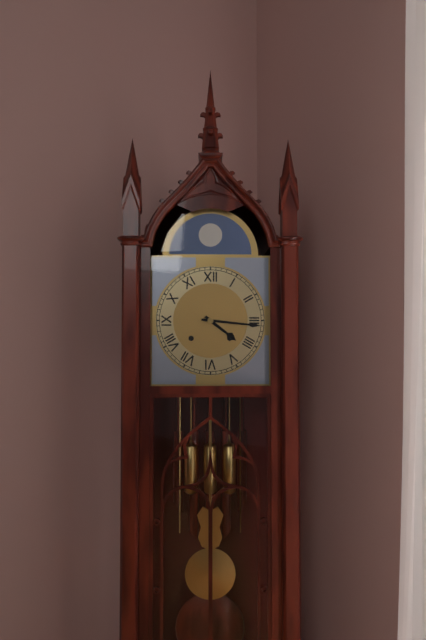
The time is **4:16**
